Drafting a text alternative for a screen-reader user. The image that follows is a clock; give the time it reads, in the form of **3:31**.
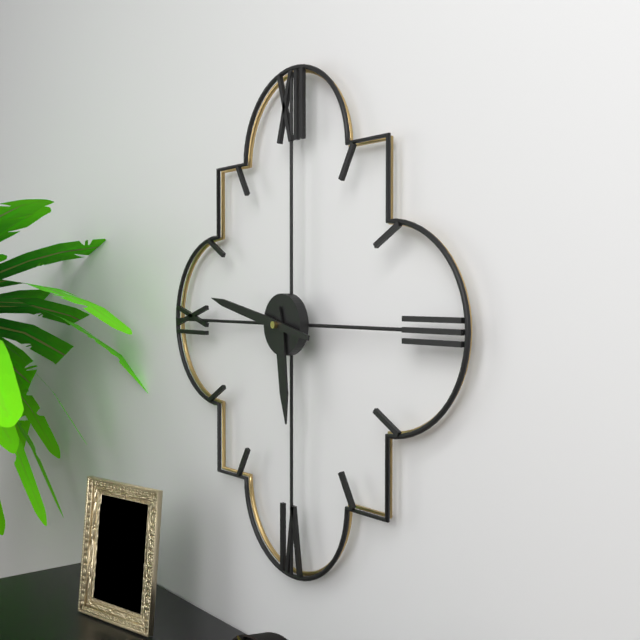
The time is **5:47**
